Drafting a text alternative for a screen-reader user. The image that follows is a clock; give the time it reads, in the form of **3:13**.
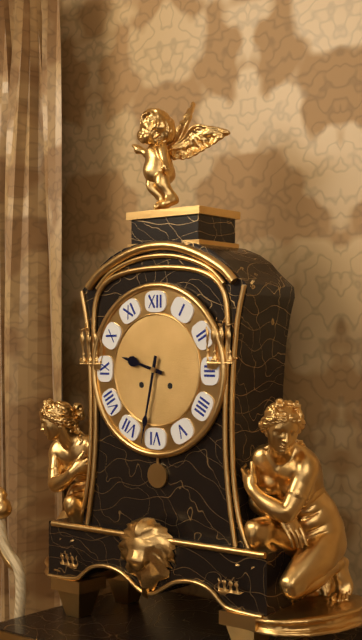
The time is **9:32**
